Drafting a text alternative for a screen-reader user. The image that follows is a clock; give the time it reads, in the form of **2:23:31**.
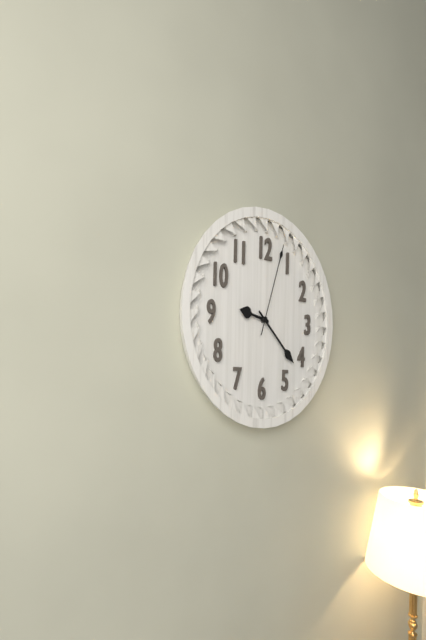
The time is **9:22:03**
